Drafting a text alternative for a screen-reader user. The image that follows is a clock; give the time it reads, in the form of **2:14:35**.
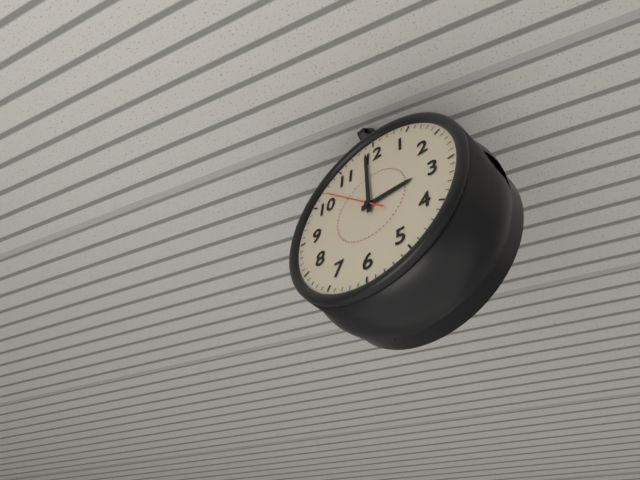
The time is **2:59:52**
